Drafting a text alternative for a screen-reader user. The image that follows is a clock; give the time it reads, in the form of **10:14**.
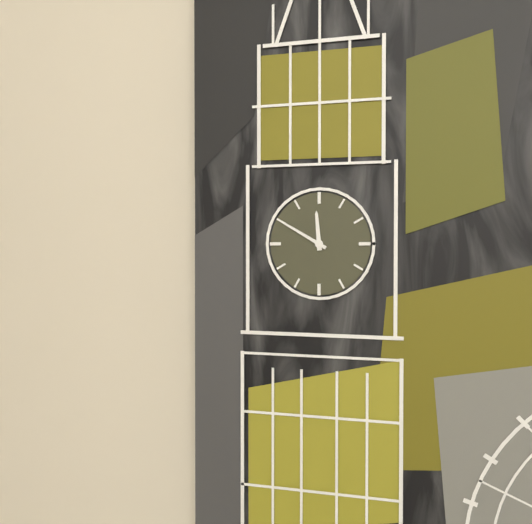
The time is **11:50**
